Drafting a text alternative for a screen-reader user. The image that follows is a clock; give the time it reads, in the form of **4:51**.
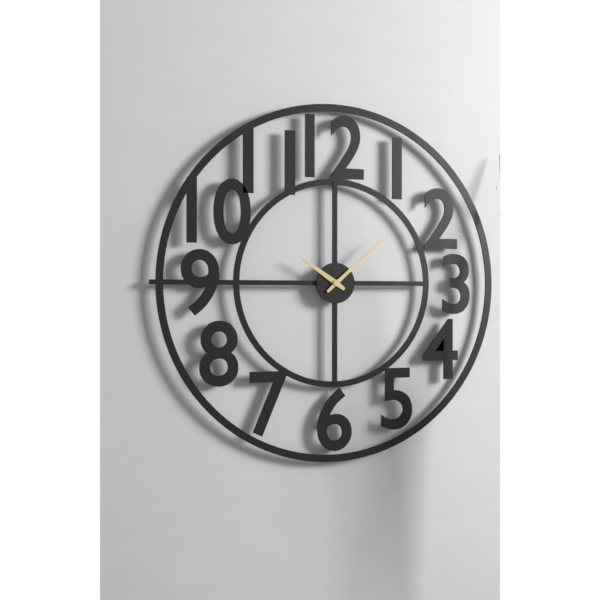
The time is **10:08**
